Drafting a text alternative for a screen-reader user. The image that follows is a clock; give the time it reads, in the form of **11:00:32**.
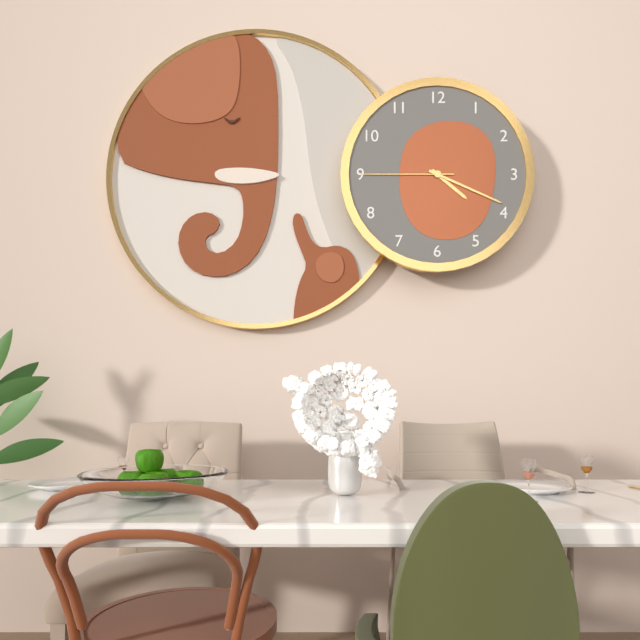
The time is **4:19:45**
